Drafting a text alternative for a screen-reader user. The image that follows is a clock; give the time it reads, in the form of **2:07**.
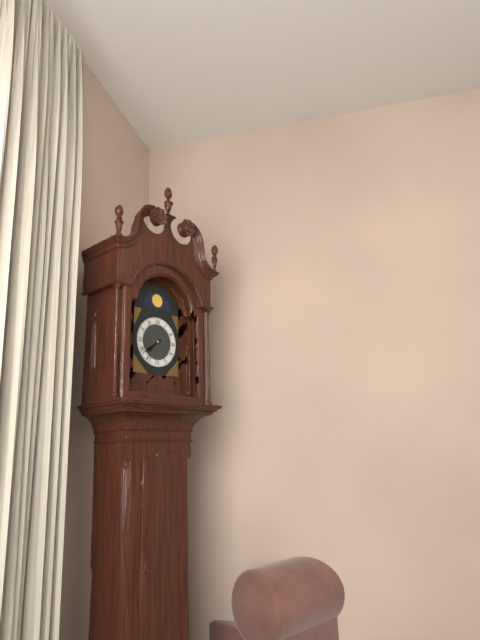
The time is **7:39**
